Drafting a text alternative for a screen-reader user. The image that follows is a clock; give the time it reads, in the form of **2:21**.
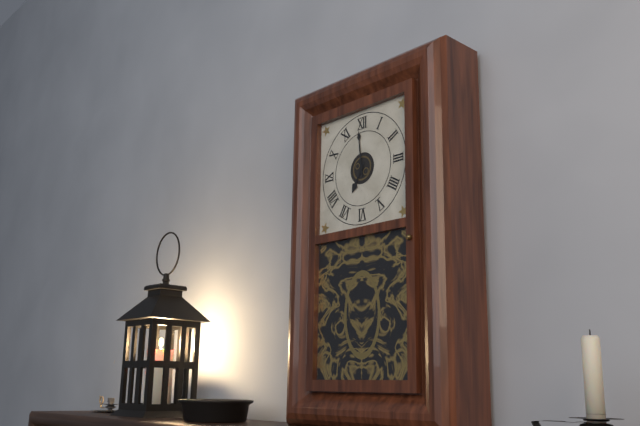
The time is **6:59**
